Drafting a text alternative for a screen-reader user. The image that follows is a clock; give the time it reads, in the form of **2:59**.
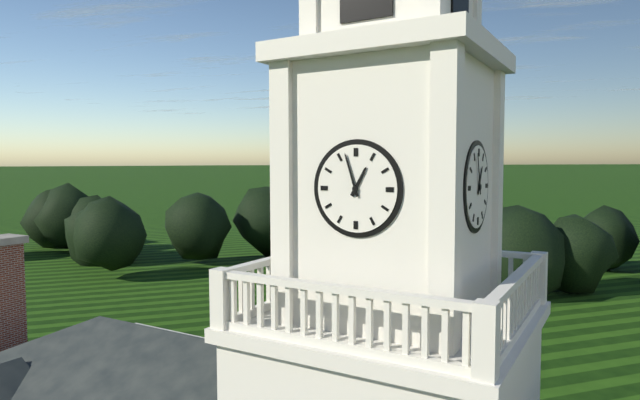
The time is **12:57**
